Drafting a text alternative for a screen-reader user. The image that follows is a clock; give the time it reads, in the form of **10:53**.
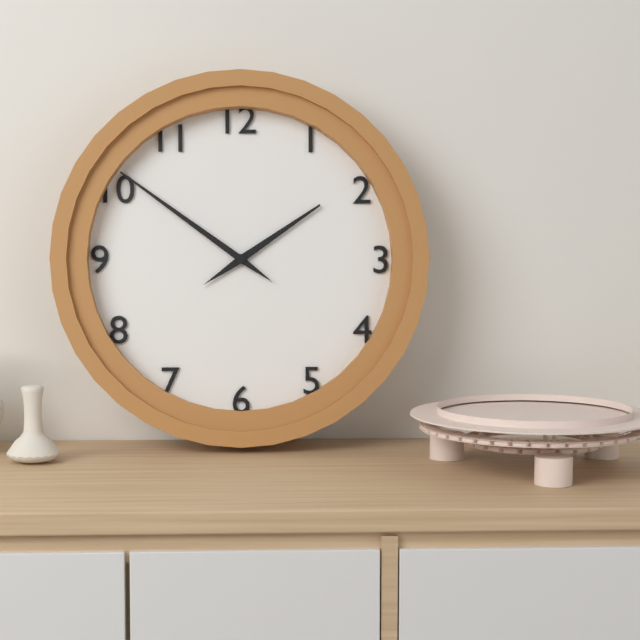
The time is **1:51**
